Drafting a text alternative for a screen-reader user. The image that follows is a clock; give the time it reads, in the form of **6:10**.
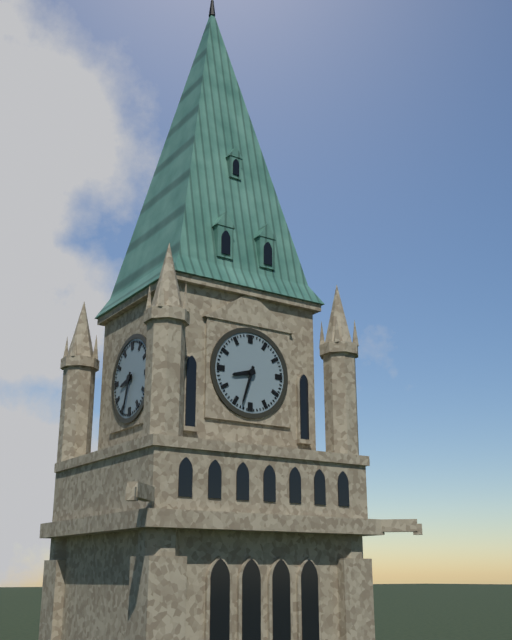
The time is **8:33**
